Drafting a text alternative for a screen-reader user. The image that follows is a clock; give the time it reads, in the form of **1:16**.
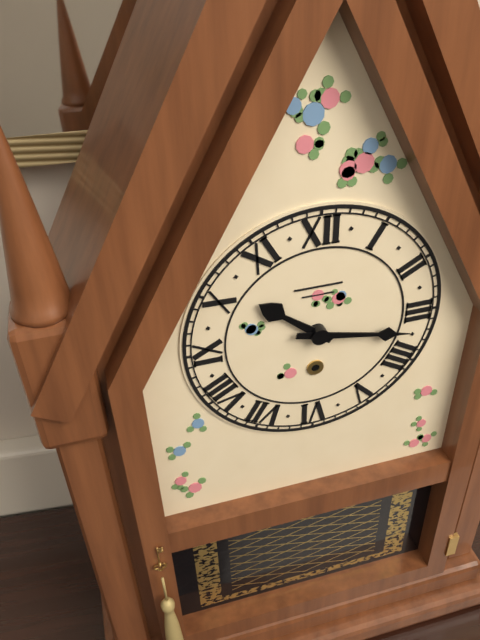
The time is **10:17**
